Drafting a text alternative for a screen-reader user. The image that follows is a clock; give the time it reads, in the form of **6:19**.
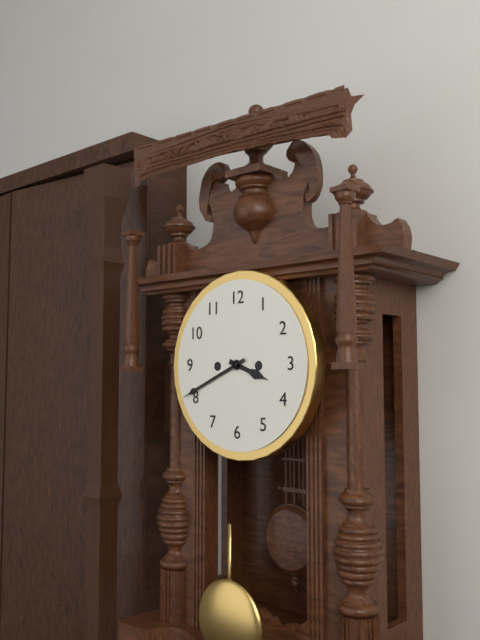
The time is **3:41**
